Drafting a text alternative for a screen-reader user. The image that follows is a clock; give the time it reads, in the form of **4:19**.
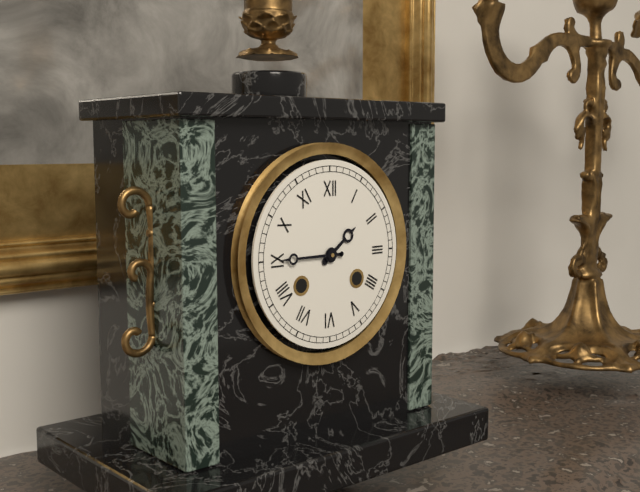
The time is **1:45**
